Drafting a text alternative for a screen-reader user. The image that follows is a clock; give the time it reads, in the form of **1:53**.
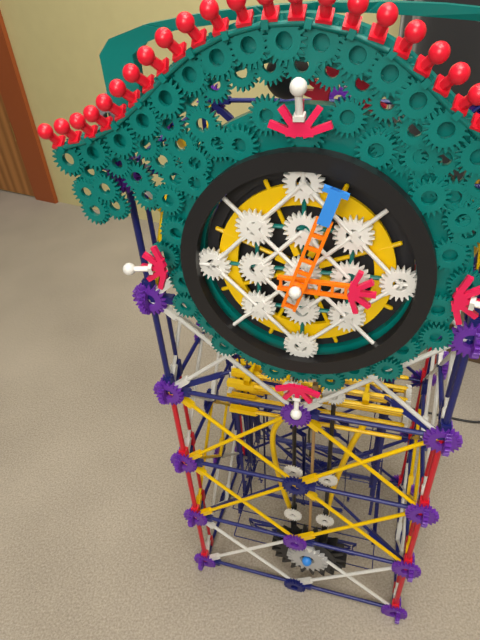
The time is **3:03**
